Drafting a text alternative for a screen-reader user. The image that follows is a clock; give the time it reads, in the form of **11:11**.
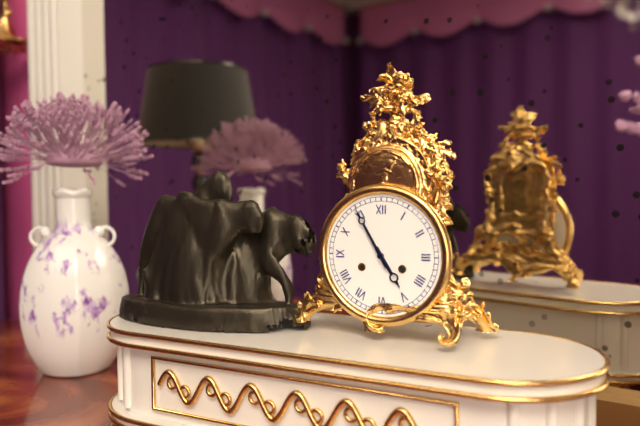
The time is **4:55**
